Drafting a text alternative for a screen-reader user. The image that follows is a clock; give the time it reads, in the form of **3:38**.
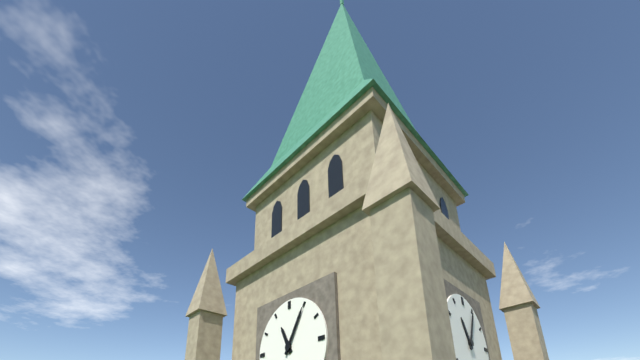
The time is **11:05**
